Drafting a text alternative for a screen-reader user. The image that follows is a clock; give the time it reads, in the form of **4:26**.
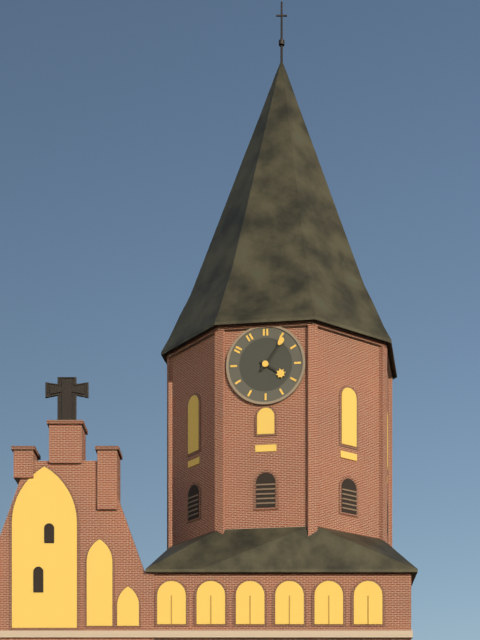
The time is **4:06**
